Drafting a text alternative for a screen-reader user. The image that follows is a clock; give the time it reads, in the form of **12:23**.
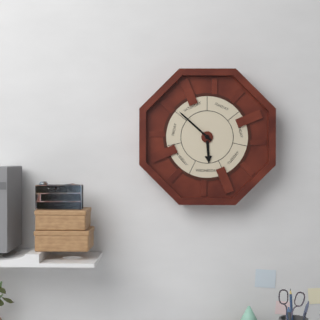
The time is **5:52**
